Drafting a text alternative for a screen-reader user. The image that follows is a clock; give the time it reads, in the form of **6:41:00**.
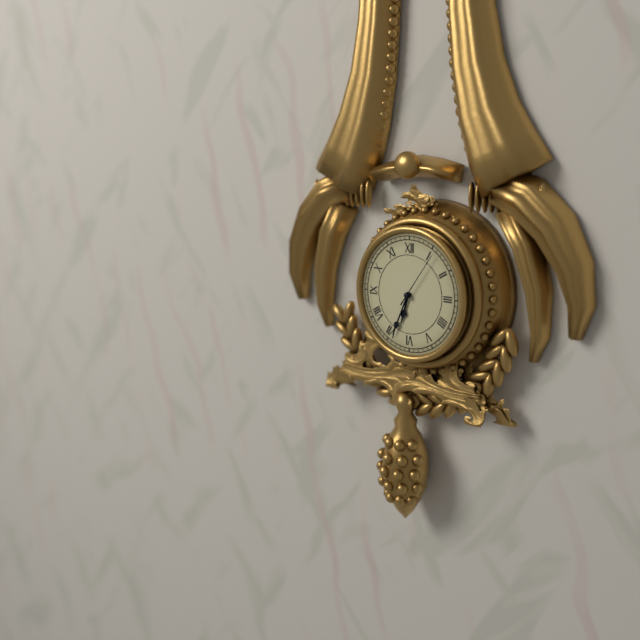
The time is **6:34:06**
